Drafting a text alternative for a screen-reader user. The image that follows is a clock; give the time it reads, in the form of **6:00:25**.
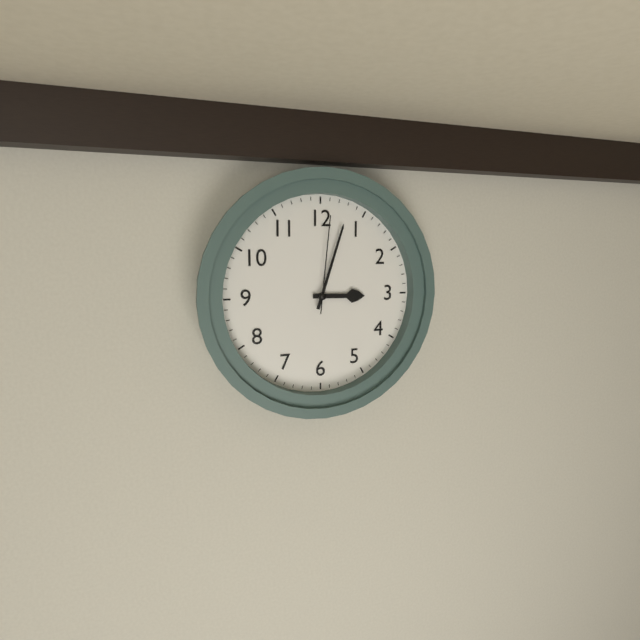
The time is **3:03:01**
